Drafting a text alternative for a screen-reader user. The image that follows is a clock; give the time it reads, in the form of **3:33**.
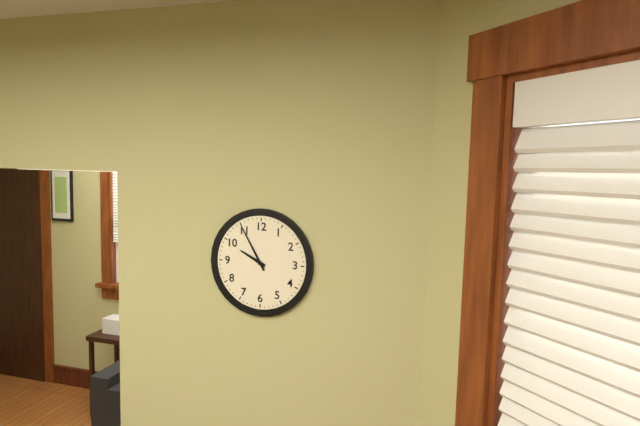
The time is **9:55**
